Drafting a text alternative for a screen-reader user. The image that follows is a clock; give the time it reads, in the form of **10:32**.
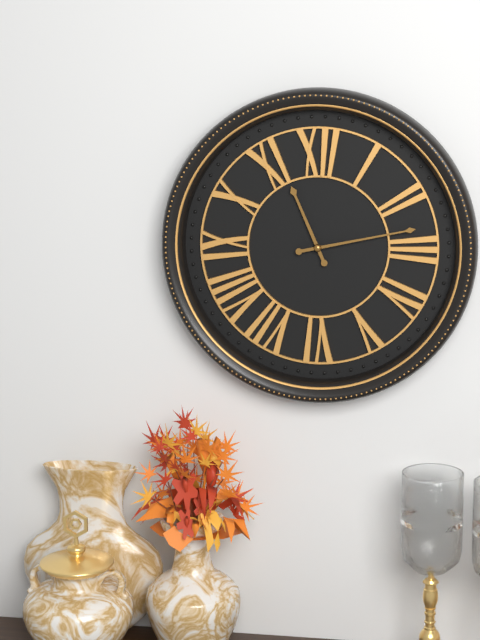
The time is **11:13**
